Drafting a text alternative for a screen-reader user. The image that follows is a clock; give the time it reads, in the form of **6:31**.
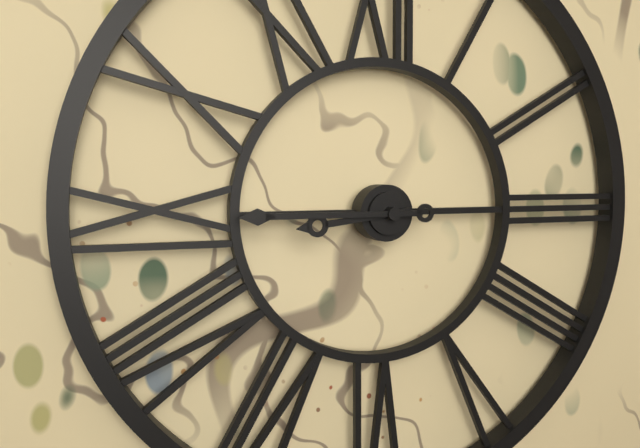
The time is **8:45**
